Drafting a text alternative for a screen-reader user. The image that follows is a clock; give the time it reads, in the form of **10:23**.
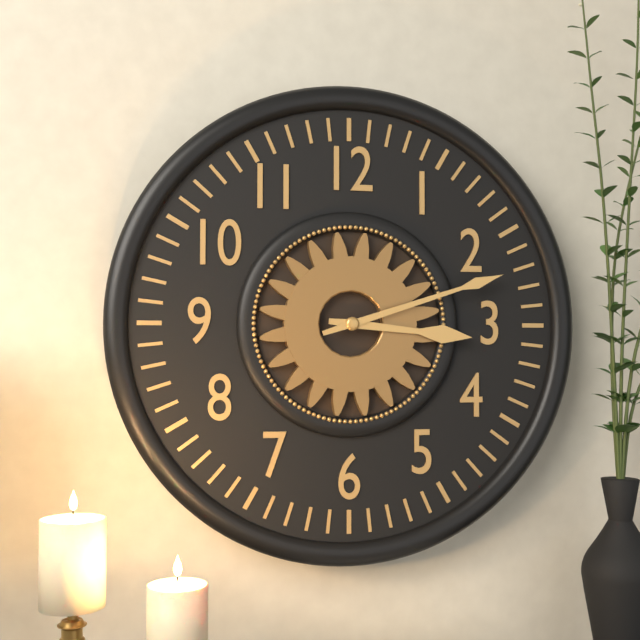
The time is **3:12**
